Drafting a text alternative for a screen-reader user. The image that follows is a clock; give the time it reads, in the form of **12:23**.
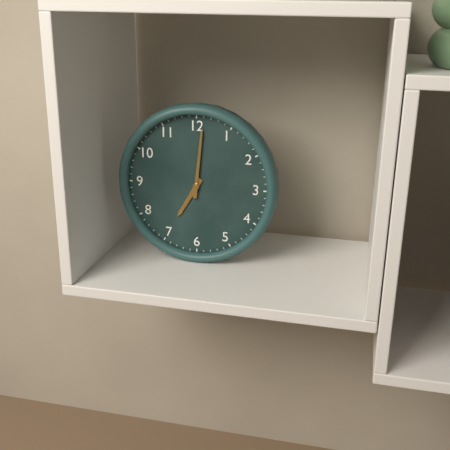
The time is **7:01**
